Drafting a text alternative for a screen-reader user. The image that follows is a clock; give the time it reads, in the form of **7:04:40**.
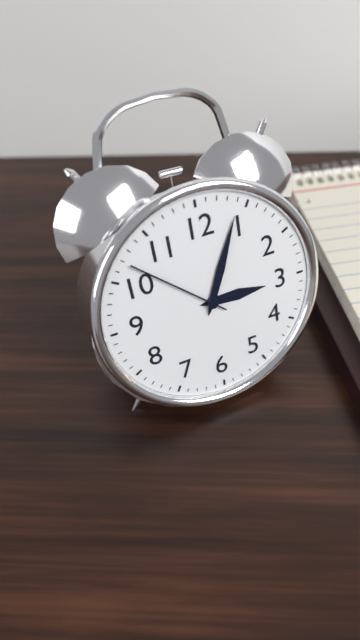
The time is **3:04:52**
